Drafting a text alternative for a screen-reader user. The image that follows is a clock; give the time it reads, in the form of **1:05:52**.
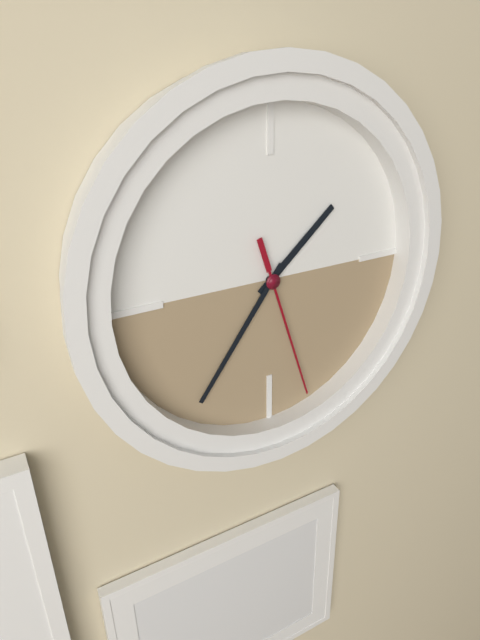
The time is **1:36:27**
